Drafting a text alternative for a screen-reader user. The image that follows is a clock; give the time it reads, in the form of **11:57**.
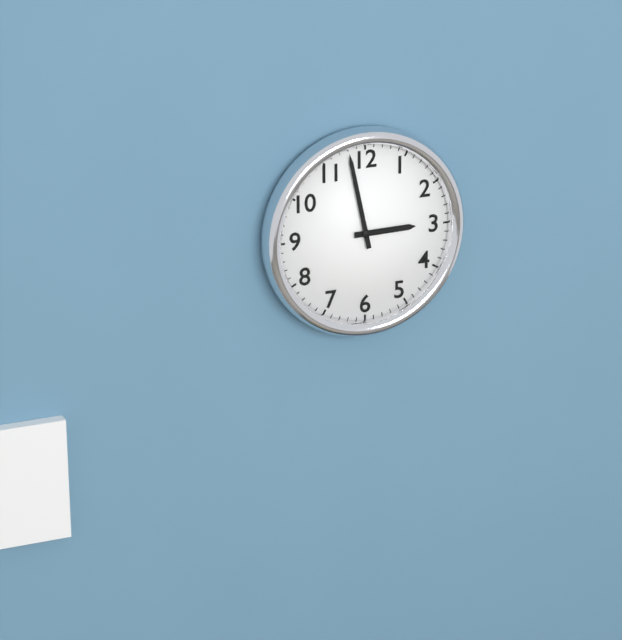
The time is **2:58**
